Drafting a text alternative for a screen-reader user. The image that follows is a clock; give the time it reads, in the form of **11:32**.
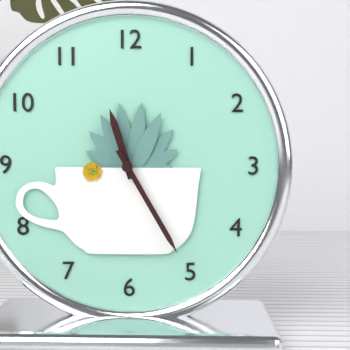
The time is **11:25**
